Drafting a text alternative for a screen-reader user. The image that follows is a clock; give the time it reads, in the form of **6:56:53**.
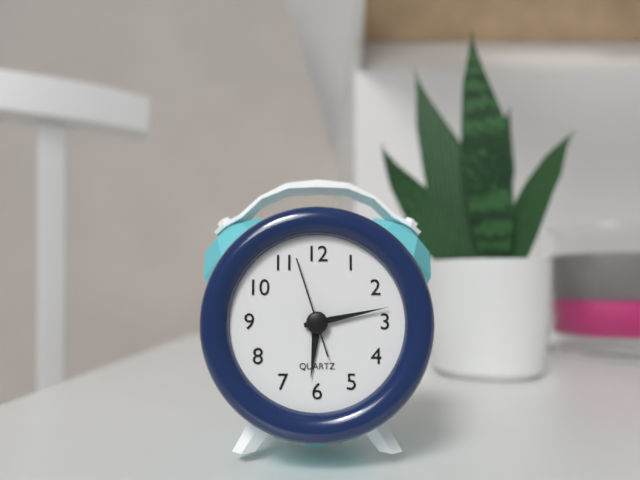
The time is **6:13:57**
